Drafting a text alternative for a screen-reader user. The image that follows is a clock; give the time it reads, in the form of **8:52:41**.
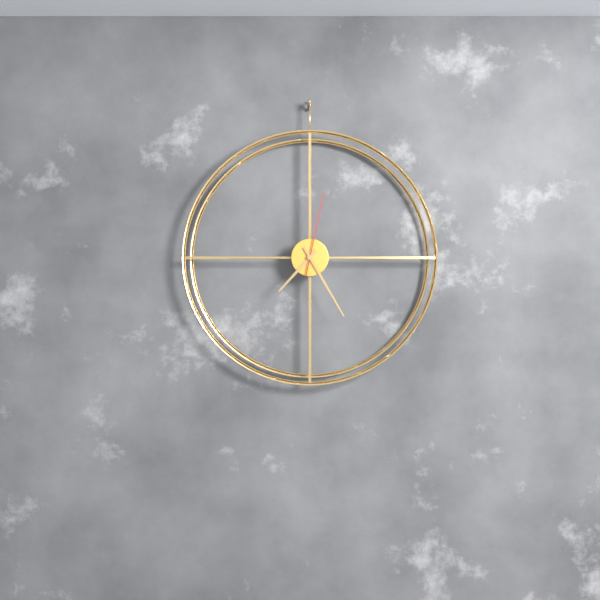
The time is **7:25:02**
